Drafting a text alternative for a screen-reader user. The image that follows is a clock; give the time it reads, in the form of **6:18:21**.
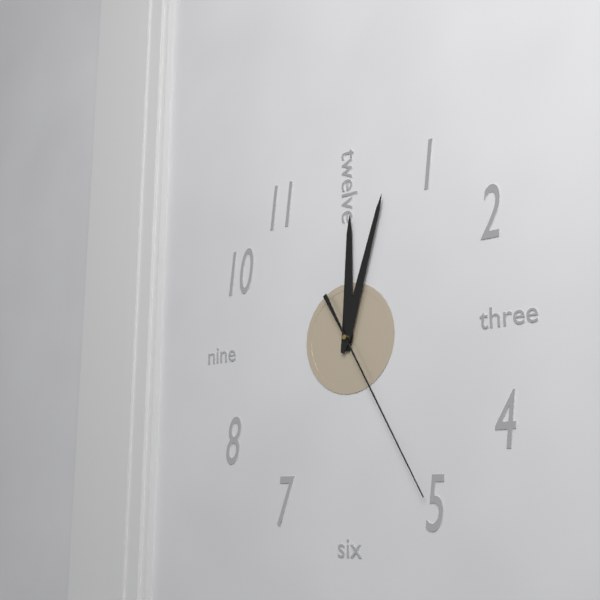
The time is **12:03:25**
